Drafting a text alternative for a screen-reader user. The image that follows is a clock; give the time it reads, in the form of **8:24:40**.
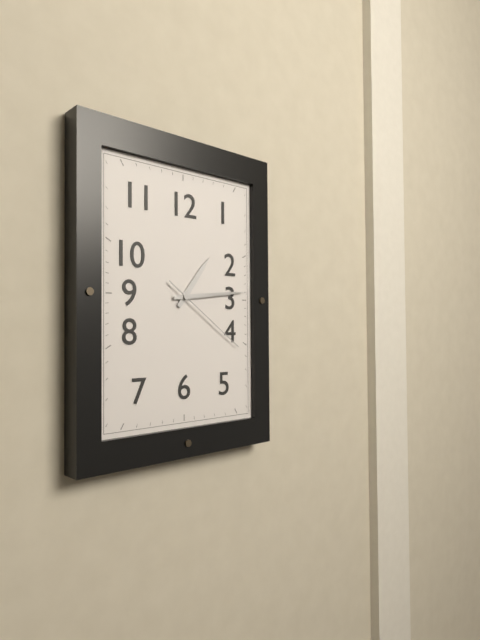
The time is **1:14:21**
